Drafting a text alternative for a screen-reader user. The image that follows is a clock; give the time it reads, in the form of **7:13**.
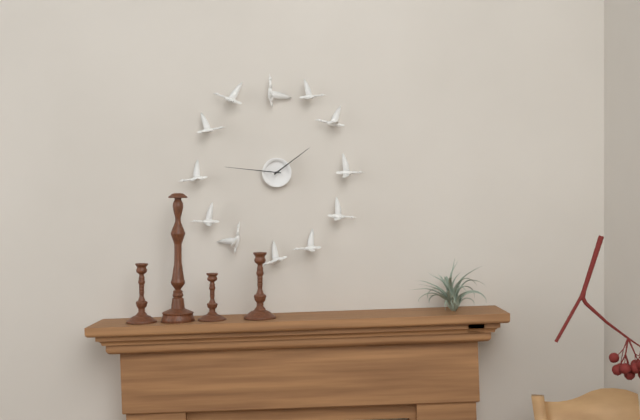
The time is **1:46**
